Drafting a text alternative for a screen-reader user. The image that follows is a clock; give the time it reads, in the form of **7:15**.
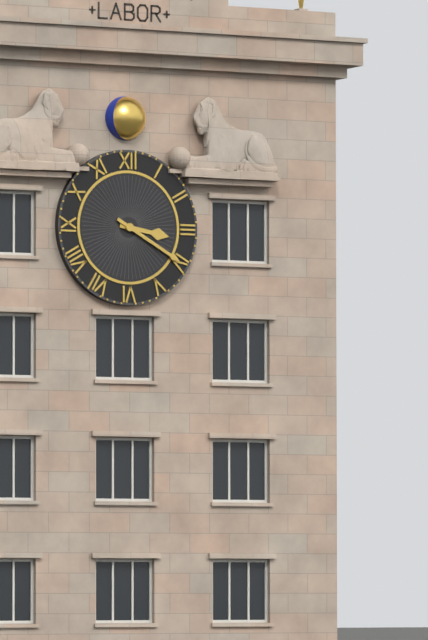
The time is **3:20**
